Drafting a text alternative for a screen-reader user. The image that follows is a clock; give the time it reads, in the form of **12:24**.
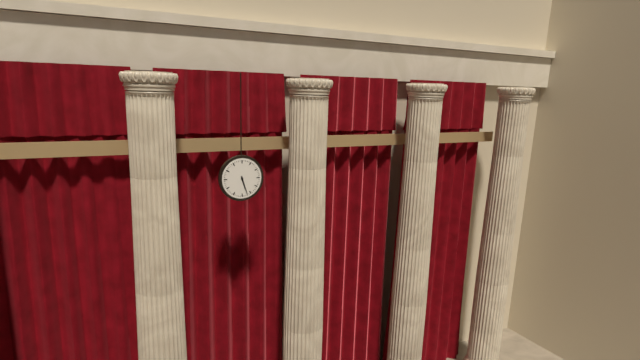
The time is **5:27**
